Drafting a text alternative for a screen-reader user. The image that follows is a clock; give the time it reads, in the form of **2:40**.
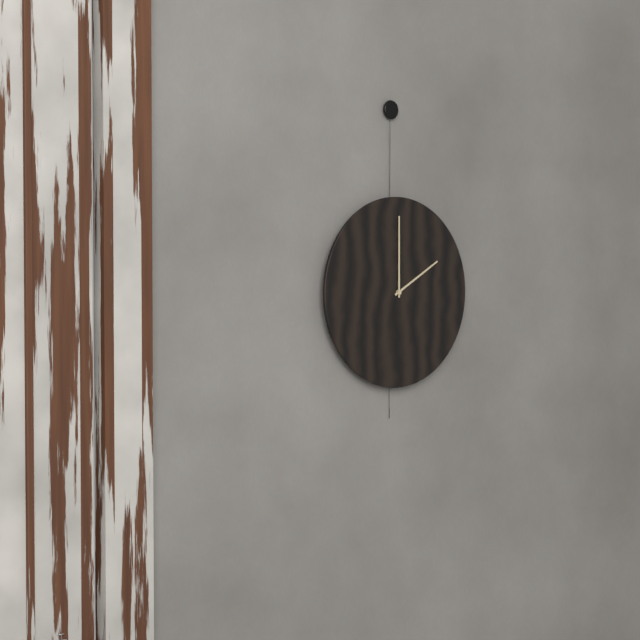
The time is **2:00**
